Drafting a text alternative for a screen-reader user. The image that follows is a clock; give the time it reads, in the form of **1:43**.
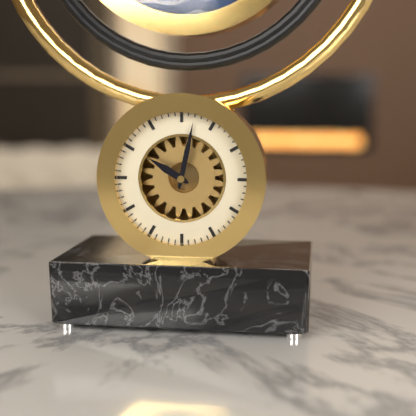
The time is **10:02**
